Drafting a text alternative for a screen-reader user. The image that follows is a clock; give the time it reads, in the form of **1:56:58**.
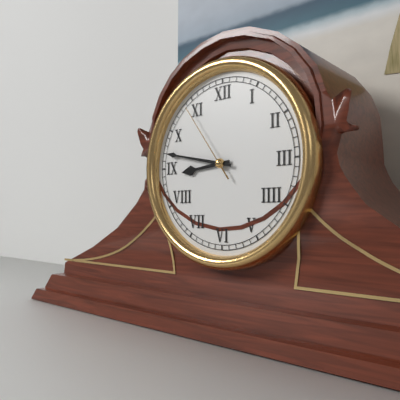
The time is **8:47:54**
